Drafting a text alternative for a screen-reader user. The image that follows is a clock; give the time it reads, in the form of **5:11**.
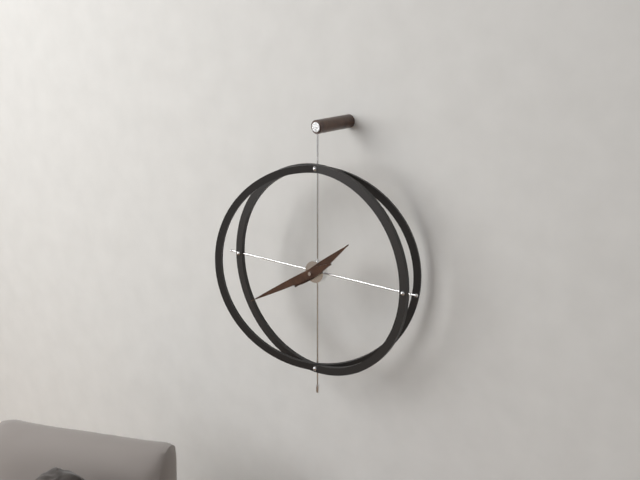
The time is **1:40**
